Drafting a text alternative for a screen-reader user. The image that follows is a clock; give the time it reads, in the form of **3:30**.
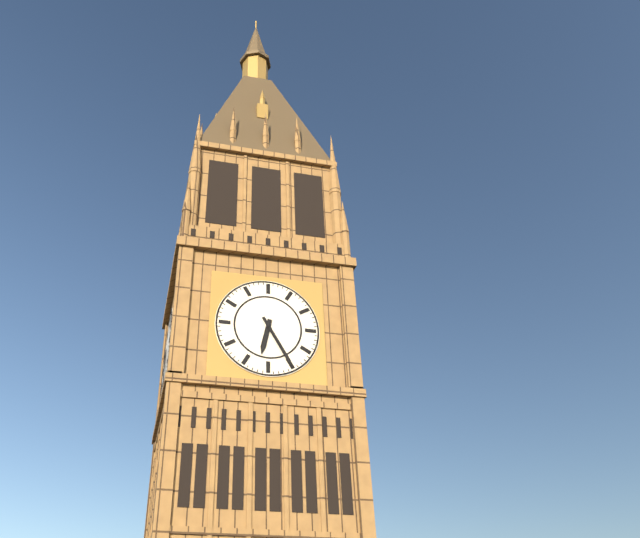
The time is **6:25**
